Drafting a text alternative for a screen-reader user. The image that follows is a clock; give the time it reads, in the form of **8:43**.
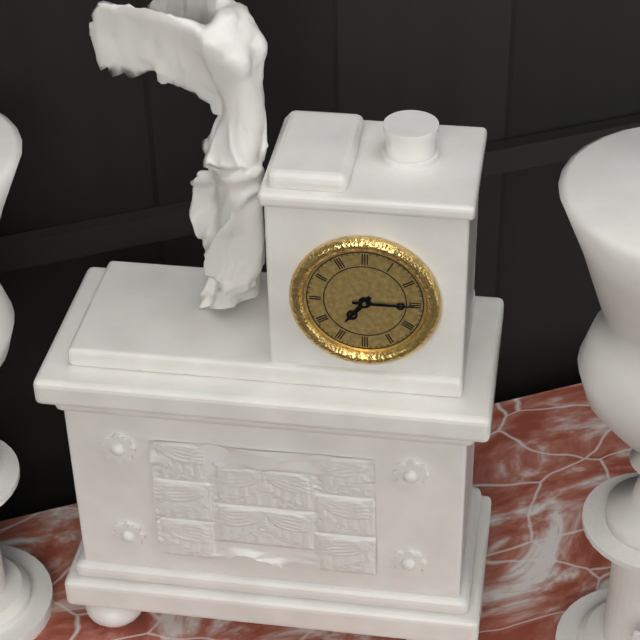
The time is **7:15**
